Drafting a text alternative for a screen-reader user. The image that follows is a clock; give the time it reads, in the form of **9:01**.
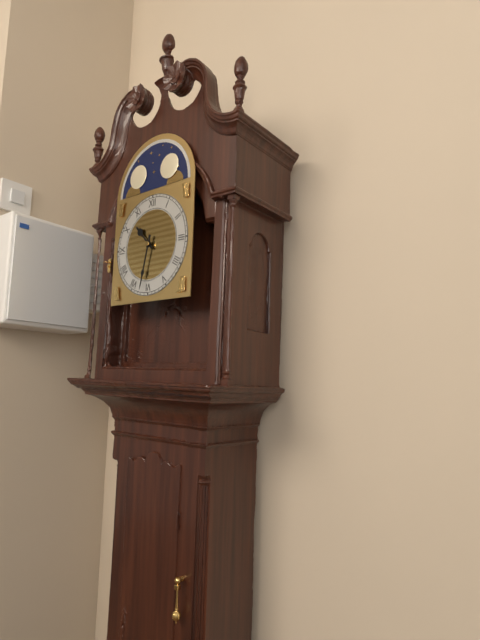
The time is **10:32**
